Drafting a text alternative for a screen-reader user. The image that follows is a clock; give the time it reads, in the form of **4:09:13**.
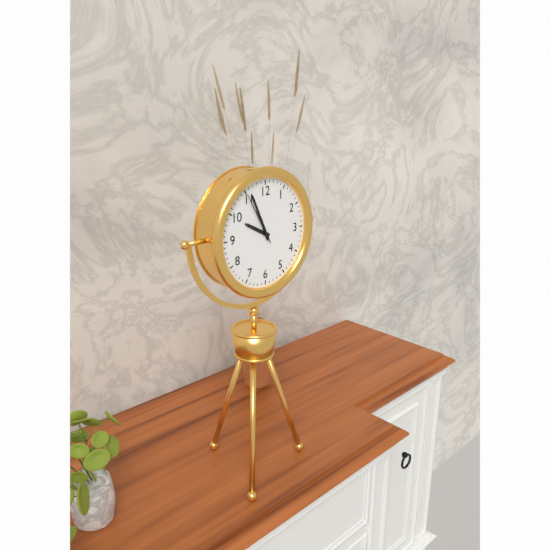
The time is **9:56:55**
